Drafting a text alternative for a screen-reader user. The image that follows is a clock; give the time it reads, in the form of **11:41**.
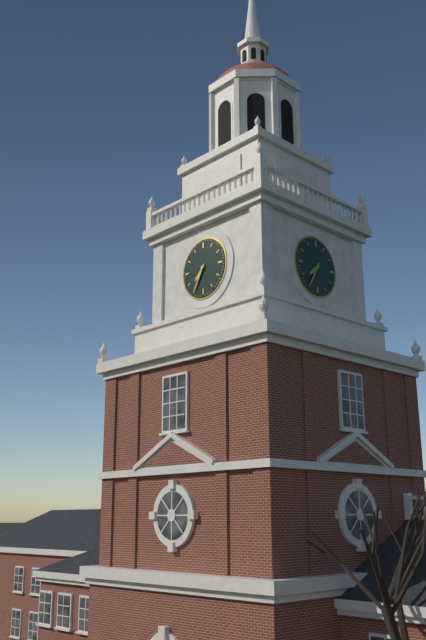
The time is **7:35**
